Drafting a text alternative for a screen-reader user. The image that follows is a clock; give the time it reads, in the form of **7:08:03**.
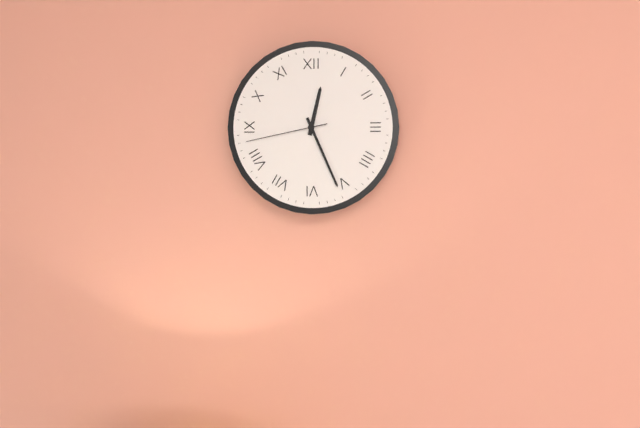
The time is **12:26:43**
